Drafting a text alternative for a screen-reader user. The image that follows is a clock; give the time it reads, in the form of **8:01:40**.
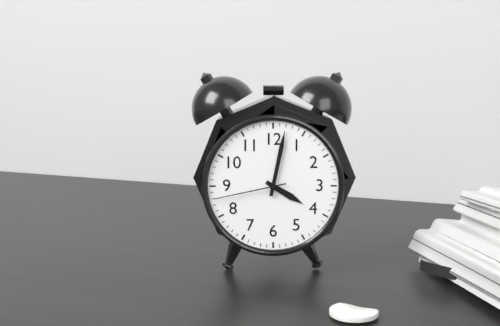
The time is **4:02:43**
